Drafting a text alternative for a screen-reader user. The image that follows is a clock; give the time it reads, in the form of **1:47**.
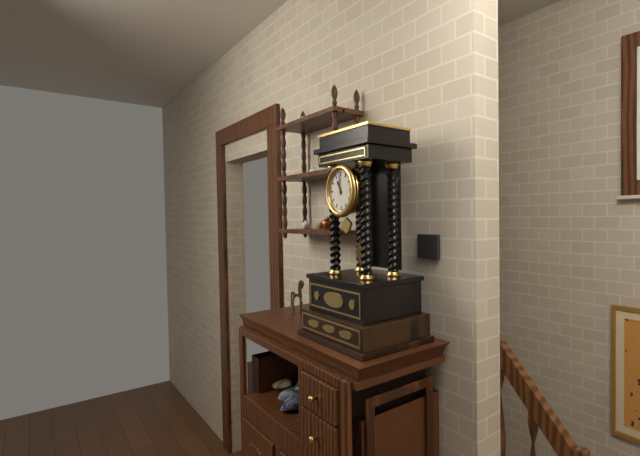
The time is **10:59**
